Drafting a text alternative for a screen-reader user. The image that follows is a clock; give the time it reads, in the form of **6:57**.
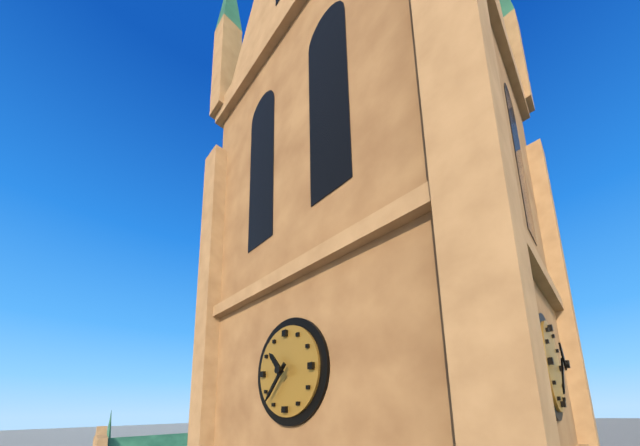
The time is **10:37**
